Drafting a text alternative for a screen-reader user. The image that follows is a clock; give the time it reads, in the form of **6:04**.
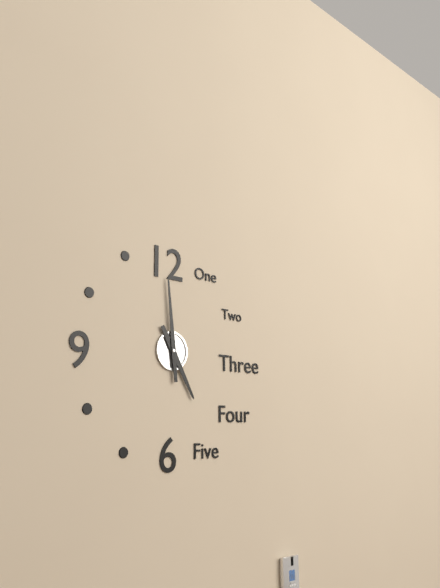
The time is **4:59**
